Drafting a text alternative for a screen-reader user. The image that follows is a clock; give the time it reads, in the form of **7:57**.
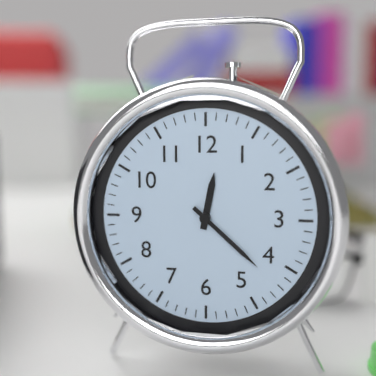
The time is **12:22**
